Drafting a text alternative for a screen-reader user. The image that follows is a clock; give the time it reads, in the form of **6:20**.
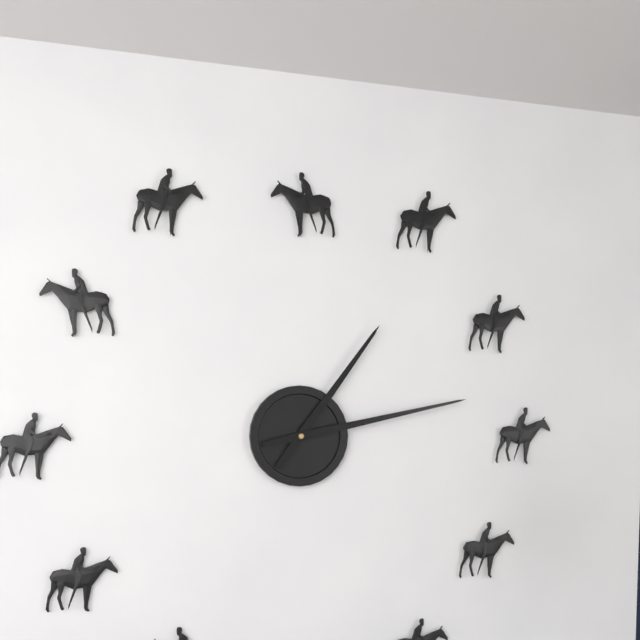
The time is **1:13**
